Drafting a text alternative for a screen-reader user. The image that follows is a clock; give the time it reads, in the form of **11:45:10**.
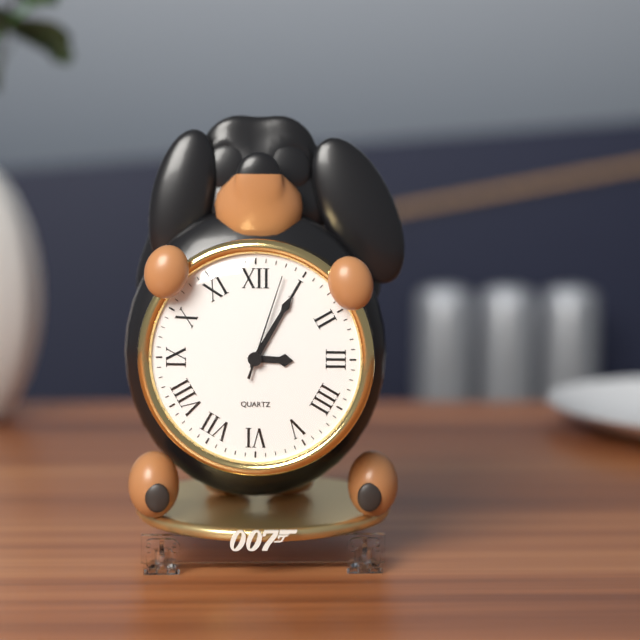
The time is **3:05:03**
